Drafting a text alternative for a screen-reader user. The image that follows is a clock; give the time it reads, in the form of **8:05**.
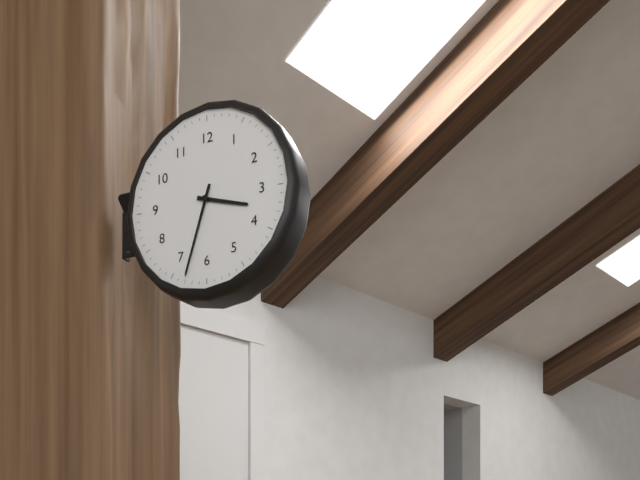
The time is **3:33**
